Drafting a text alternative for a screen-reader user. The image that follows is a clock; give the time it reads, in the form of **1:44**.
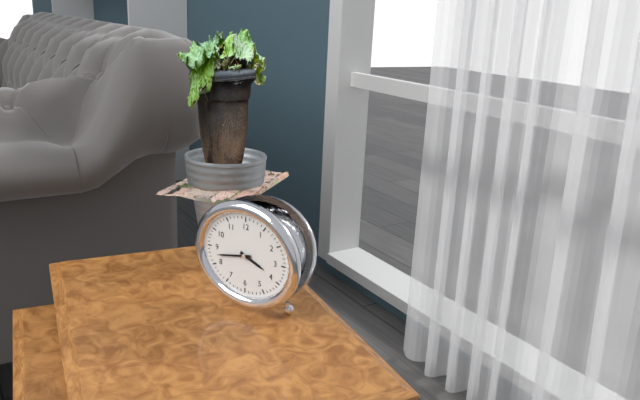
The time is **3:43**
